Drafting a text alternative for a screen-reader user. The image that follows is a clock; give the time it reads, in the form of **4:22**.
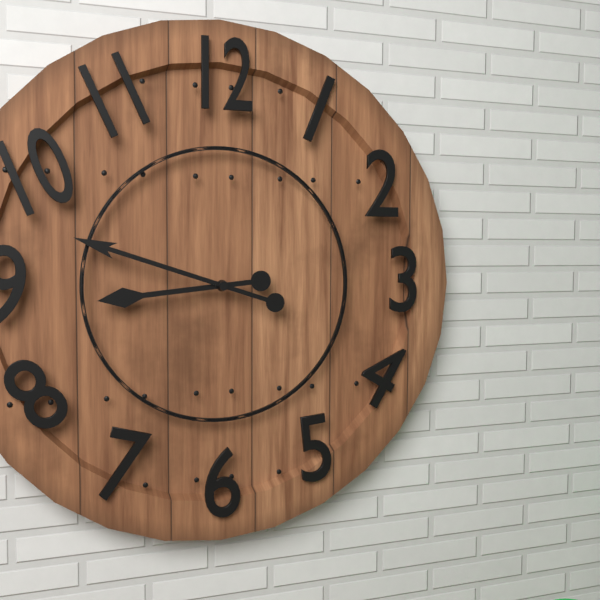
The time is **8:48**
